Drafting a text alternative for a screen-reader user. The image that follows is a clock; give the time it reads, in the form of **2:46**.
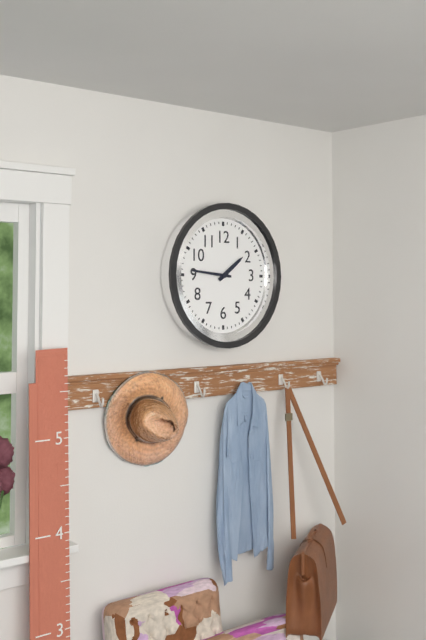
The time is **1:46**
